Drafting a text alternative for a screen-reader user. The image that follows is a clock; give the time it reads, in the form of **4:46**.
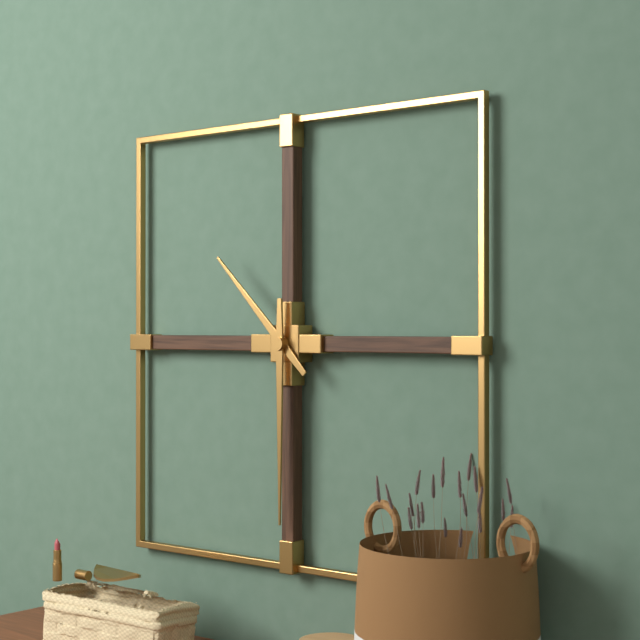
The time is **10:30**
